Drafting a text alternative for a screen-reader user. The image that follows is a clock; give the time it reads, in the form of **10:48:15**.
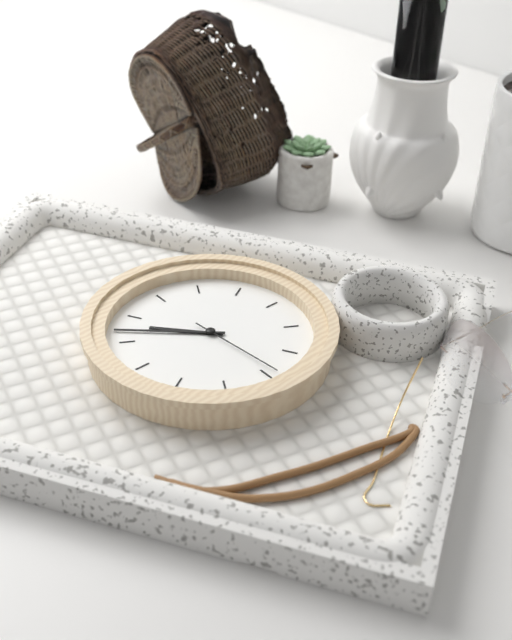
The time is **7:37:14**
